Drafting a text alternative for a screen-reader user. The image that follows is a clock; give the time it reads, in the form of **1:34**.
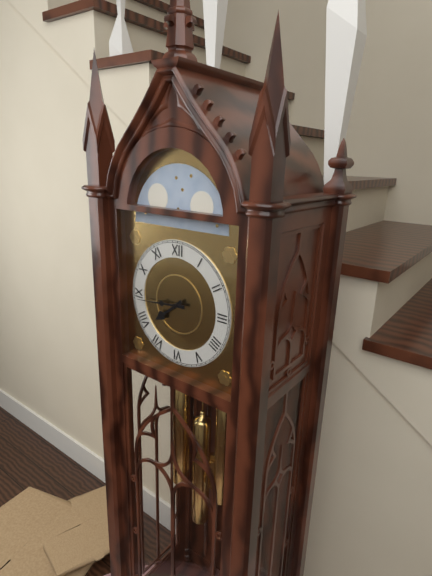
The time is **7:44**
